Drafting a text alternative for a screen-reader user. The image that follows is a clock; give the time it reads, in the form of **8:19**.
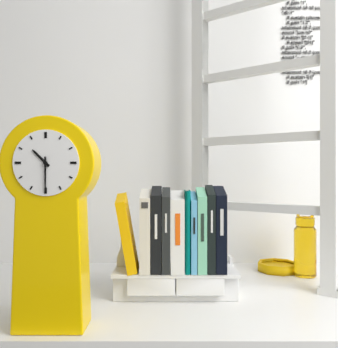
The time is **10:30**
